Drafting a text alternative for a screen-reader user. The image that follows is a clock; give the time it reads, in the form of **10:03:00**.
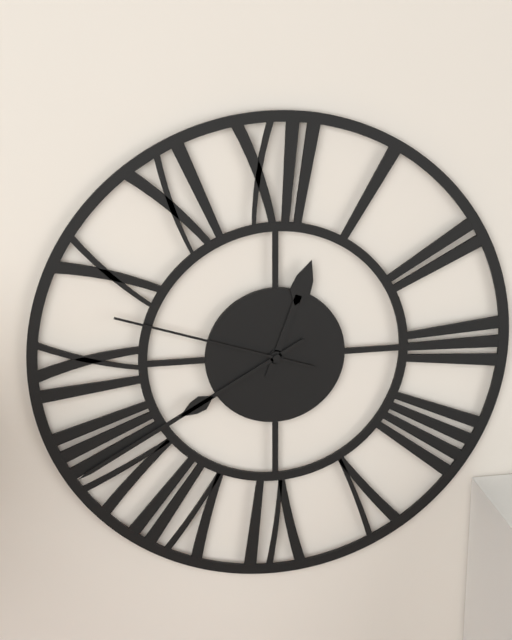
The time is **12:40:48**
